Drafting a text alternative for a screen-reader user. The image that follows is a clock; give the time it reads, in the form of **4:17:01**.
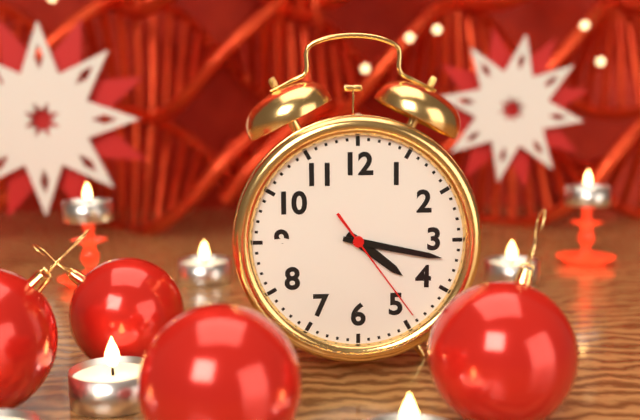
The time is **4:17:24**
